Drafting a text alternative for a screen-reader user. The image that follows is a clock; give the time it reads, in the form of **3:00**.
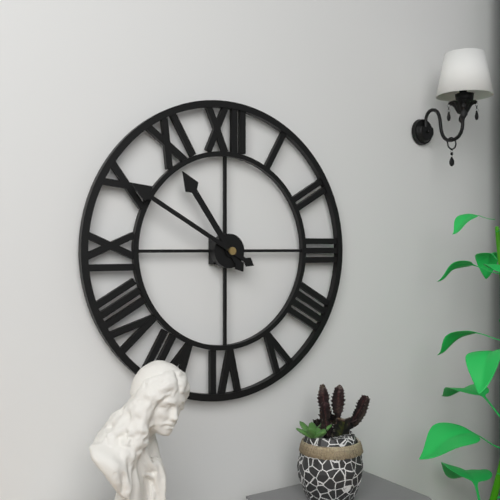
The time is **10:50**
